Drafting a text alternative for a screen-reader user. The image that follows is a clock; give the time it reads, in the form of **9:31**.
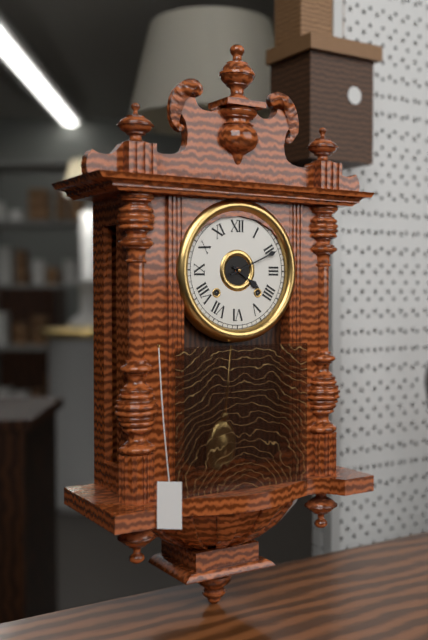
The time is **4:11**
